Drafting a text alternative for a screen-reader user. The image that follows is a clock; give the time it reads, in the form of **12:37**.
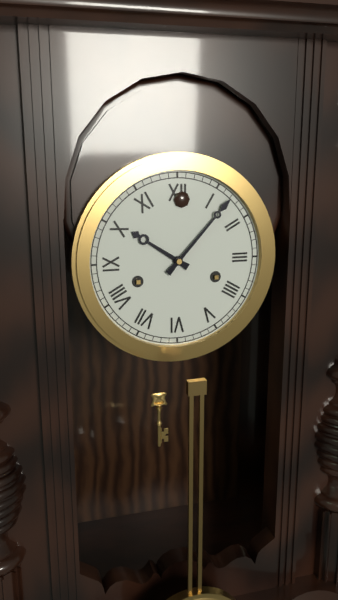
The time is **10:07**
